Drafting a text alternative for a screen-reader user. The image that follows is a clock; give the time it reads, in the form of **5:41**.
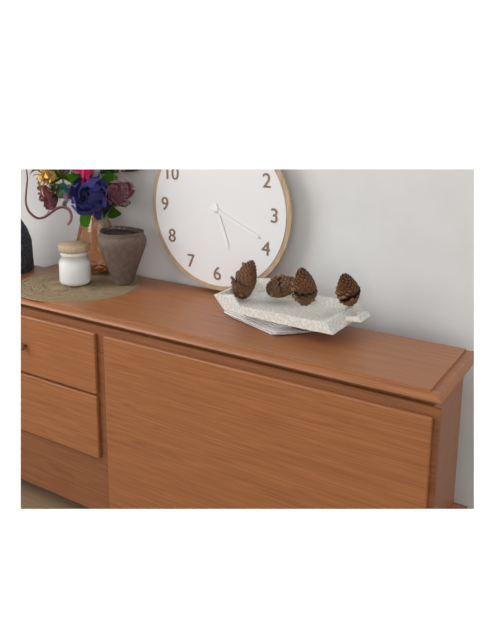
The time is **5:19**
